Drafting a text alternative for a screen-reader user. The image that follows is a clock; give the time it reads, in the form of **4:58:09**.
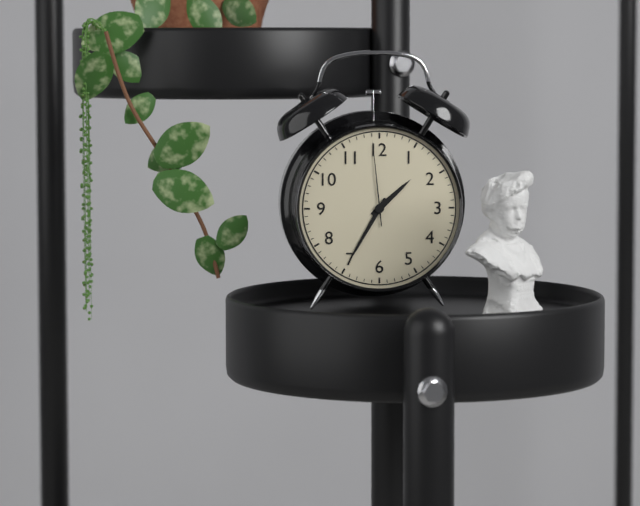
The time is **1:35:59**
